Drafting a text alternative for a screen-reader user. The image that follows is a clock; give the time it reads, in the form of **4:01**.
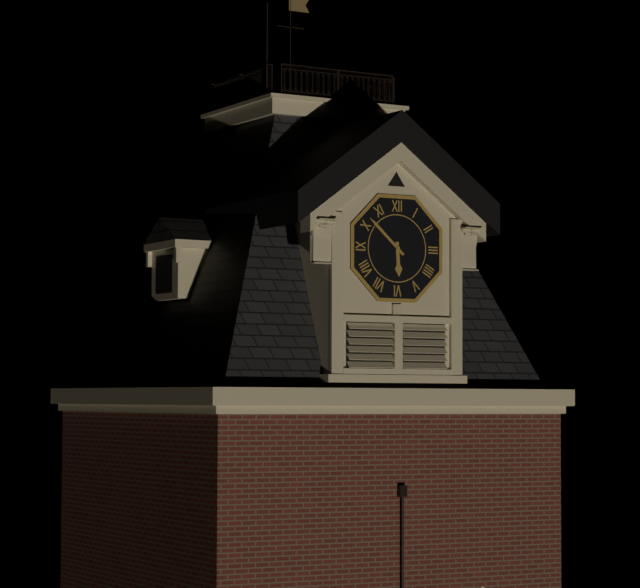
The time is **5:52**
